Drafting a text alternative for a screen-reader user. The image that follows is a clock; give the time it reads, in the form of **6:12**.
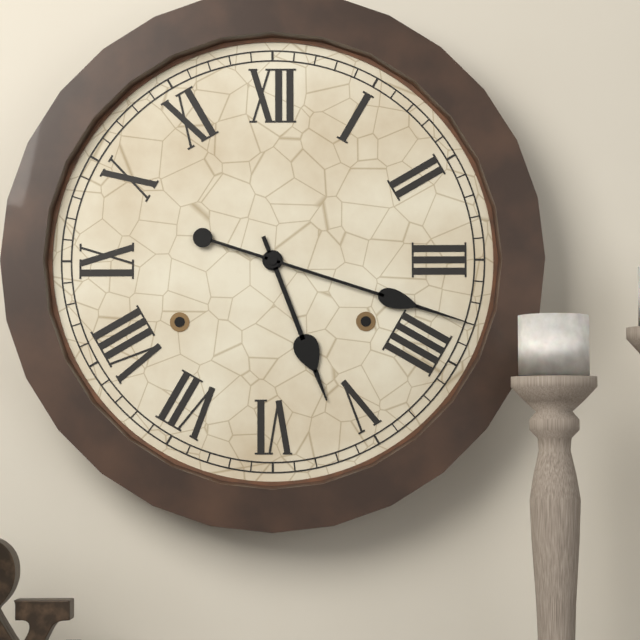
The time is **5:18**
